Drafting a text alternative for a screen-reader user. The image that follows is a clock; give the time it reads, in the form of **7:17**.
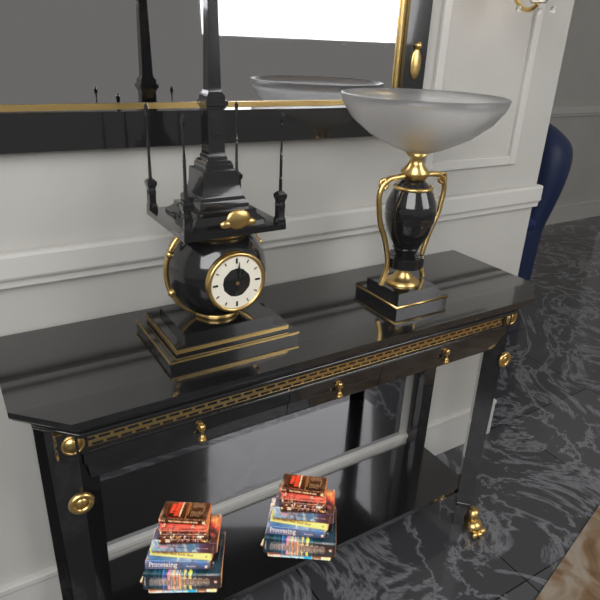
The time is **1:01**
